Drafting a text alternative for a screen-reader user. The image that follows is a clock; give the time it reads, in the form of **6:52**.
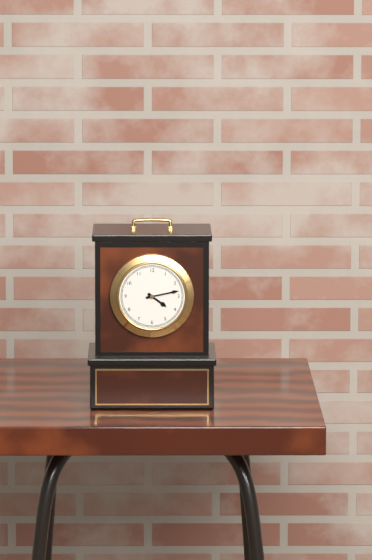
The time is **4:13**
